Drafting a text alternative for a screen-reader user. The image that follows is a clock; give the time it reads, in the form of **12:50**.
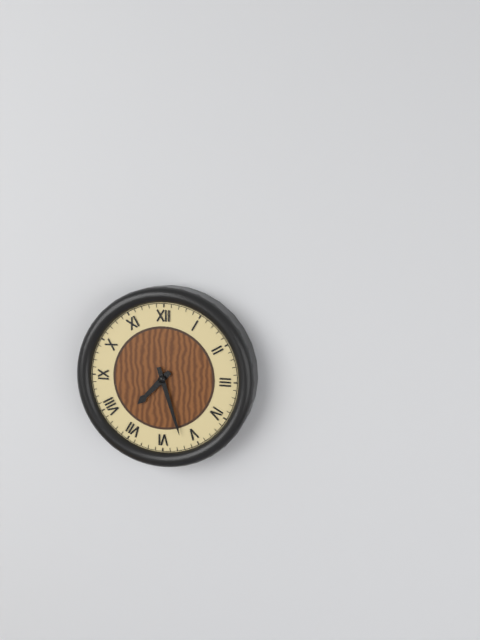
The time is **7:27**
